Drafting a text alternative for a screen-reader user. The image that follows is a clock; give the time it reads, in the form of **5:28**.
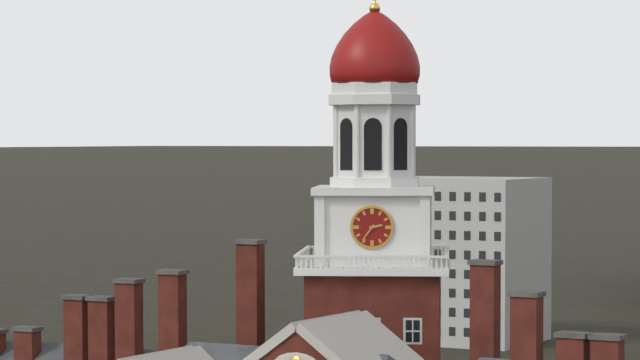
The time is **2:36**
